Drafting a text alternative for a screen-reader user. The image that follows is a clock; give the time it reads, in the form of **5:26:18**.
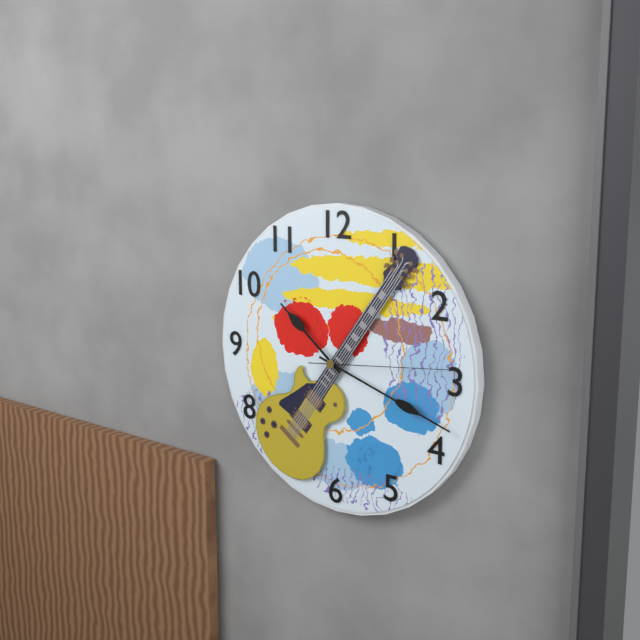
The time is **10:18:14**
